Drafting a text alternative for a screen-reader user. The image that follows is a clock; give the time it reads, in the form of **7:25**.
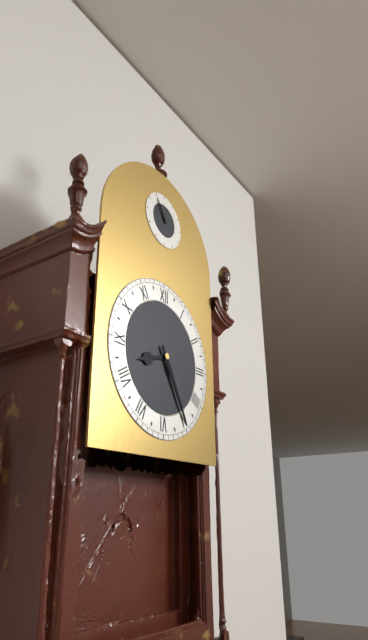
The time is **8:25**
